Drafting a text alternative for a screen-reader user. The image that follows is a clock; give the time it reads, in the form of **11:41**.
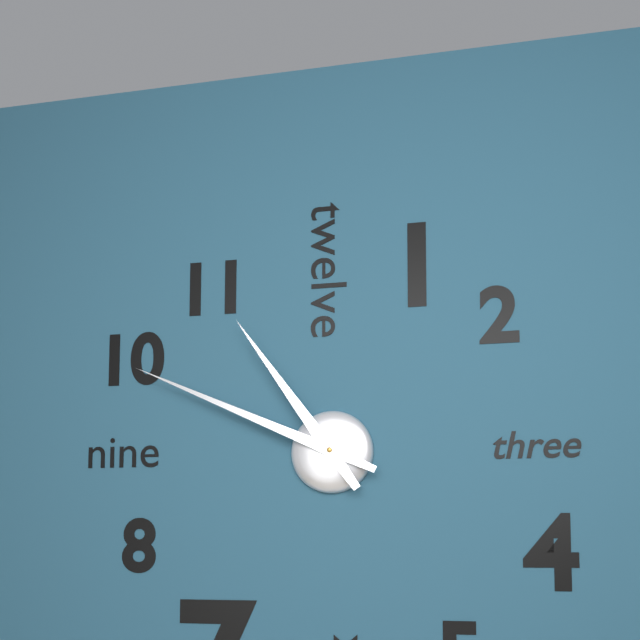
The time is **10:49**
